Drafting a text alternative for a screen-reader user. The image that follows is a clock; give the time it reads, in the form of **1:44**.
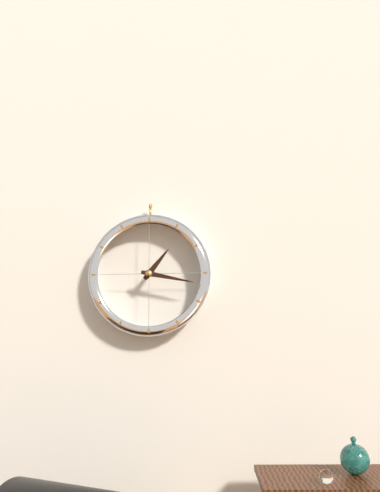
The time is **1:17**
